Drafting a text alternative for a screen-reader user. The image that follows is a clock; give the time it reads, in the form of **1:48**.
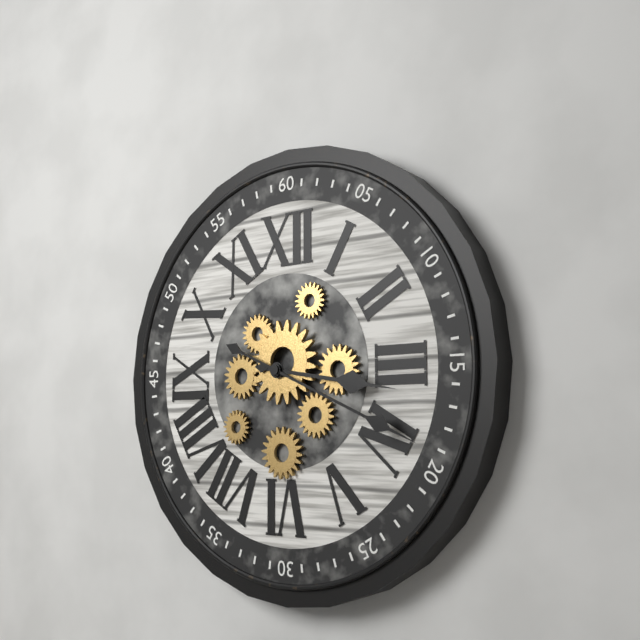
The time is **3:19**
